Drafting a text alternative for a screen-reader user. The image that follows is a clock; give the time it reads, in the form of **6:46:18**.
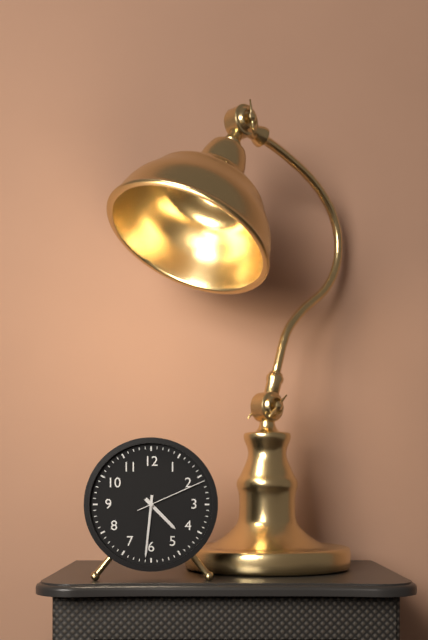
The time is **4:31:11**
